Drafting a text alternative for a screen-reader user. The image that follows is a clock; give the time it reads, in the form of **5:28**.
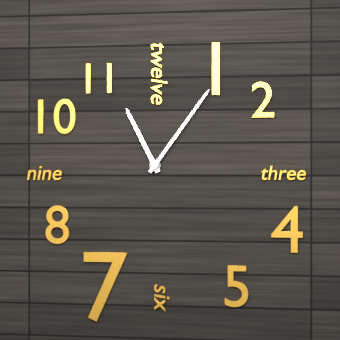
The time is **11:06**
